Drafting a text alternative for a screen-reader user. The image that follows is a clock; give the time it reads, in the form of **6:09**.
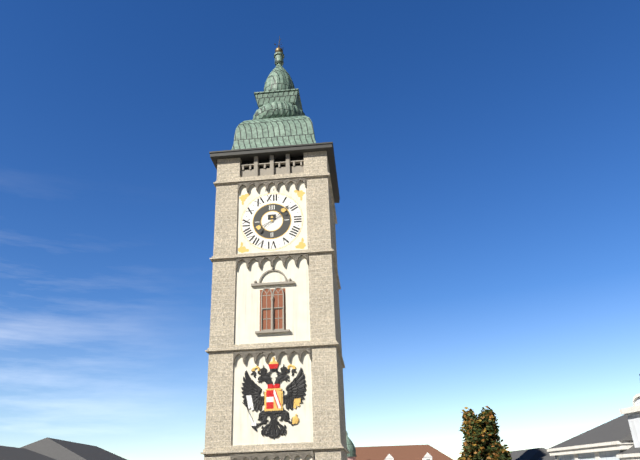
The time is **8:08**
